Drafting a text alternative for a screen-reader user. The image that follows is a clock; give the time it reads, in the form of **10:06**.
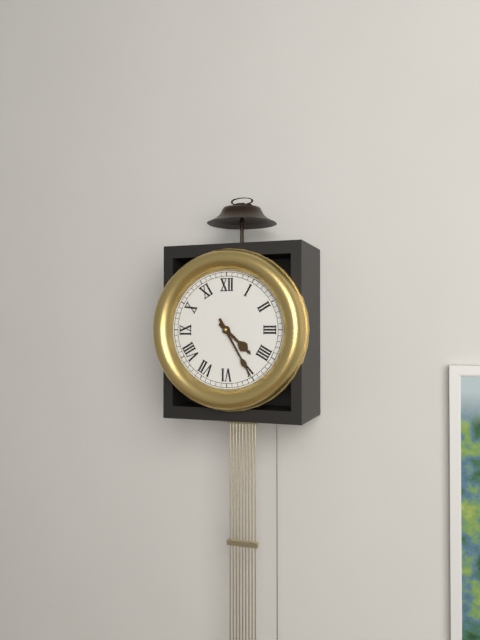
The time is **4:25**
